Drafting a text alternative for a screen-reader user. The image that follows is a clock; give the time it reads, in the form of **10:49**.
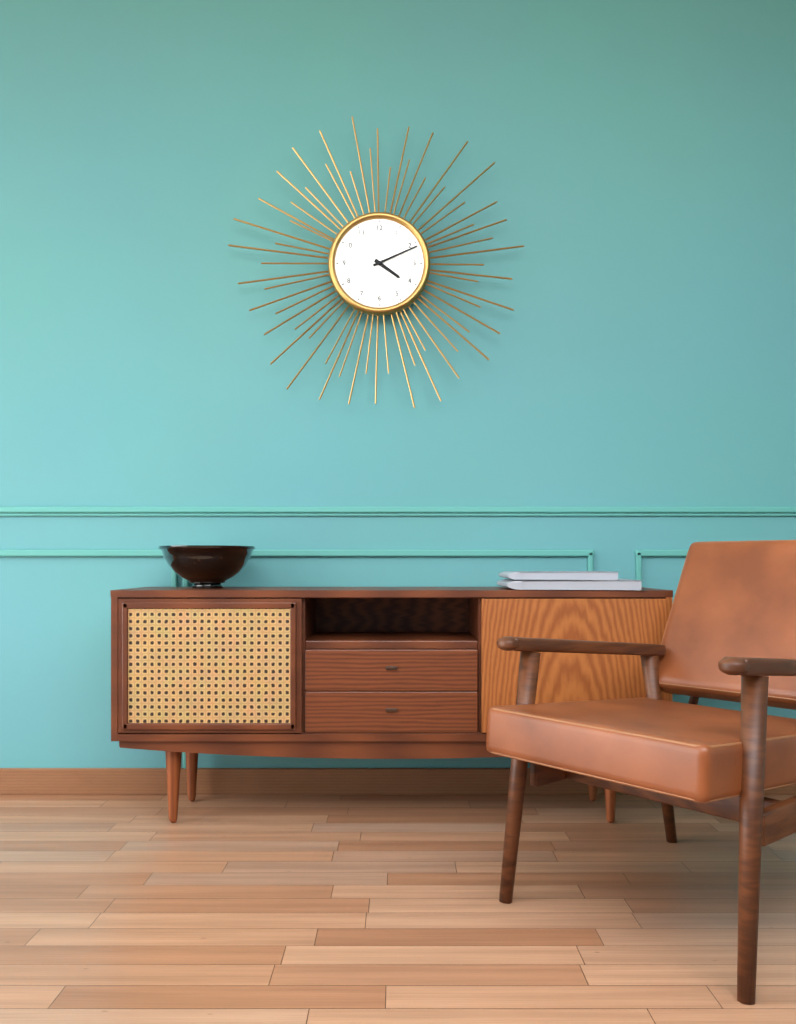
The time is **4:11**
